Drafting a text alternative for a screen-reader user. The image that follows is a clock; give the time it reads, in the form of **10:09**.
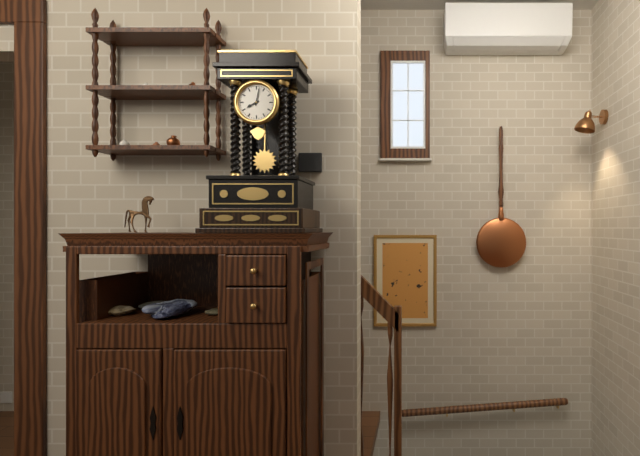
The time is **8:02**
